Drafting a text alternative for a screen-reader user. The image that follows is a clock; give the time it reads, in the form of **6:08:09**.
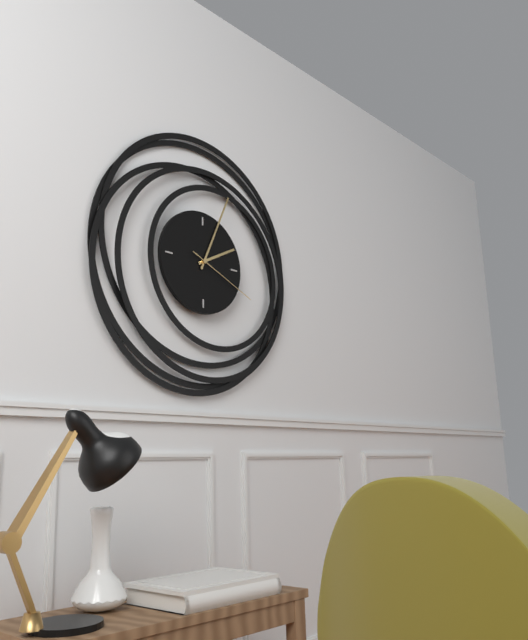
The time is **2:04:19**
